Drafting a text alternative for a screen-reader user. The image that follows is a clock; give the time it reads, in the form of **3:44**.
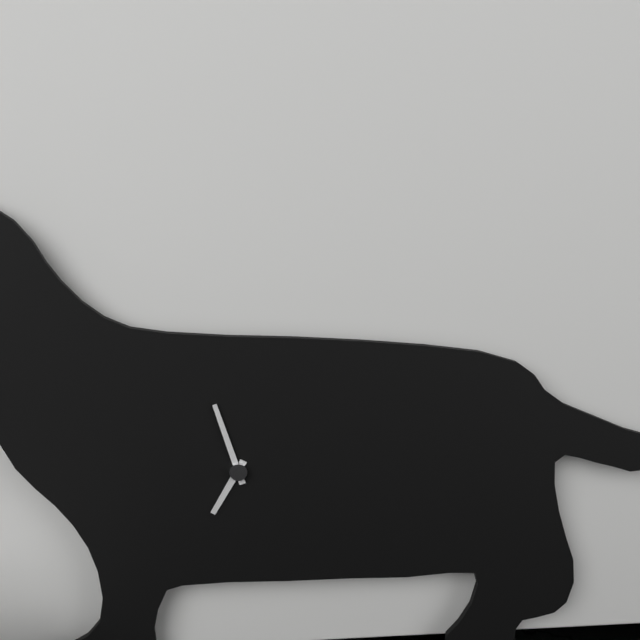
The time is **6:57**
